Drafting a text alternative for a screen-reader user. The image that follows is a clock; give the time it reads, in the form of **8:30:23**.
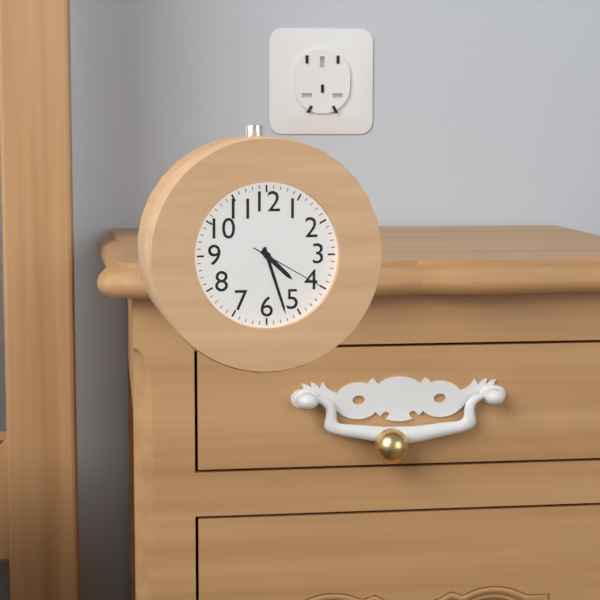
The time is **4:27:20**
